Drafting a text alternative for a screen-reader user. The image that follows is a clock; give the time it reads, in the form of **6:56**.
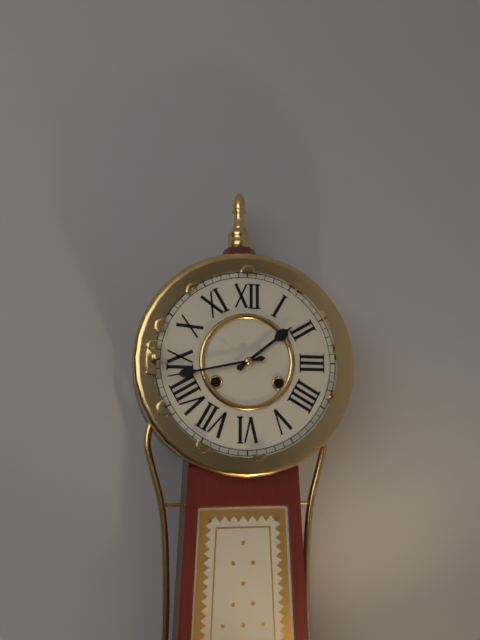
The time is **1:43**
